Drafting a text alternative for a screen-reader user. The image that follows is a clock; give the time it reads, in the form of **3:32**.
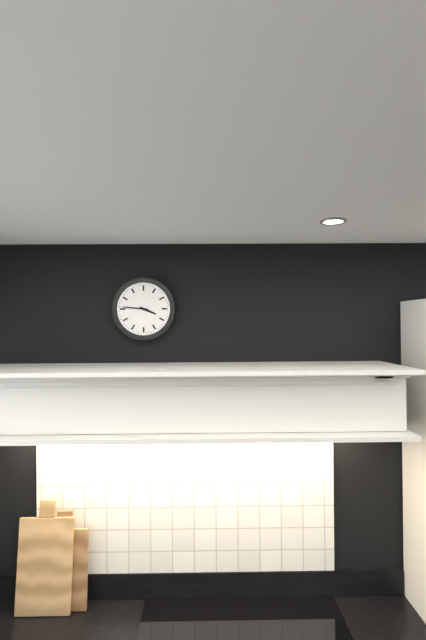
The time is **3:46**
